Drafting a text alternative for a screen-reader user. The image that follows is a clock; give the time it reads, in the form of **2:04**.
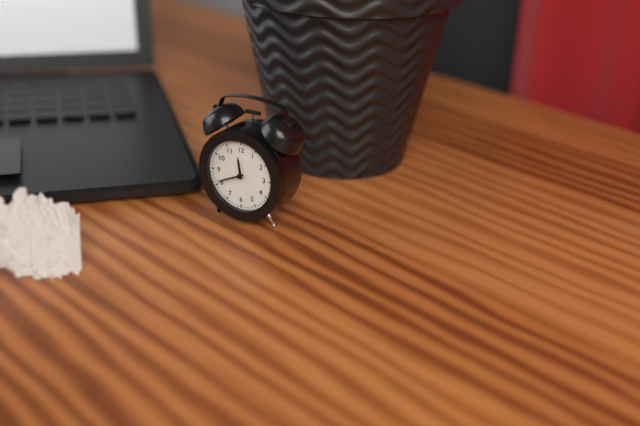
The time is **11:41**
